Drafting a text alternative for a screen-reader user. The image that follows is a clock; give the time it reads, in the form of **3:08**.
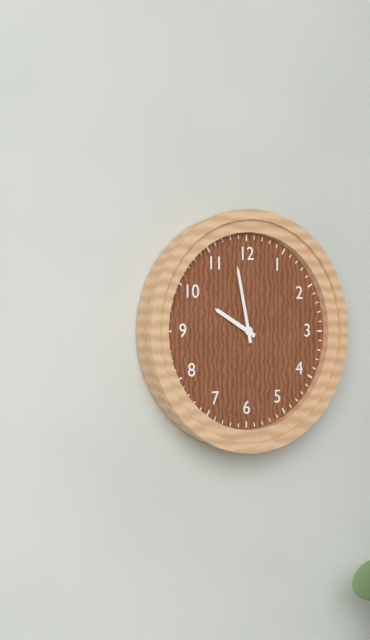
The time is **9:58**
